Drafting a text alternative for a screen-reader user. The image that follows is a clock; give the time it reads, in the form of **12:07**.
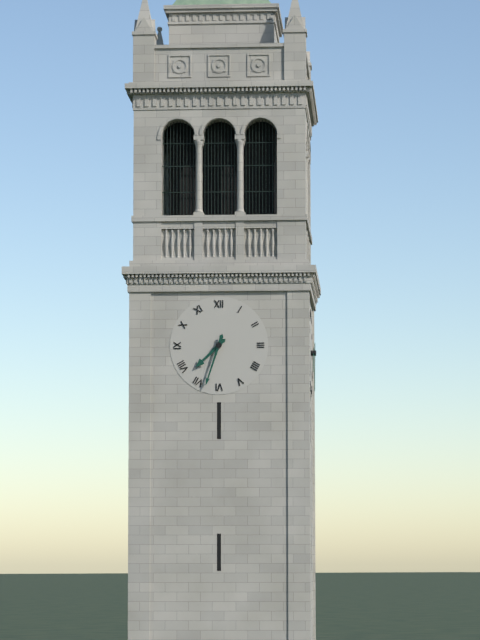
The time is **7:33**
